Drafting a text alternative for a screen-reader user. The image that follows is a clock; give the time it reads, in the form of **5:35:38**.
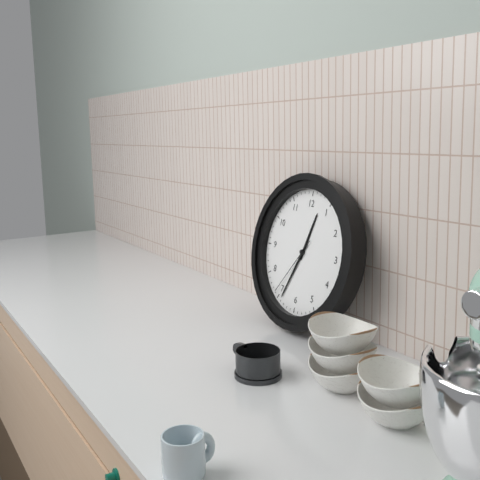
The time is **12:34:36**
